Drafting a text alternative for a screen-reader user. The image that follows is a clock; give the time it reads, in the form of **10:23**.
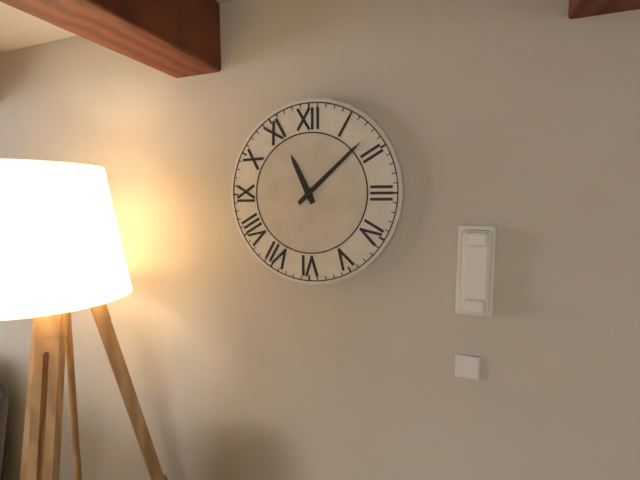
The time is **11:08**
